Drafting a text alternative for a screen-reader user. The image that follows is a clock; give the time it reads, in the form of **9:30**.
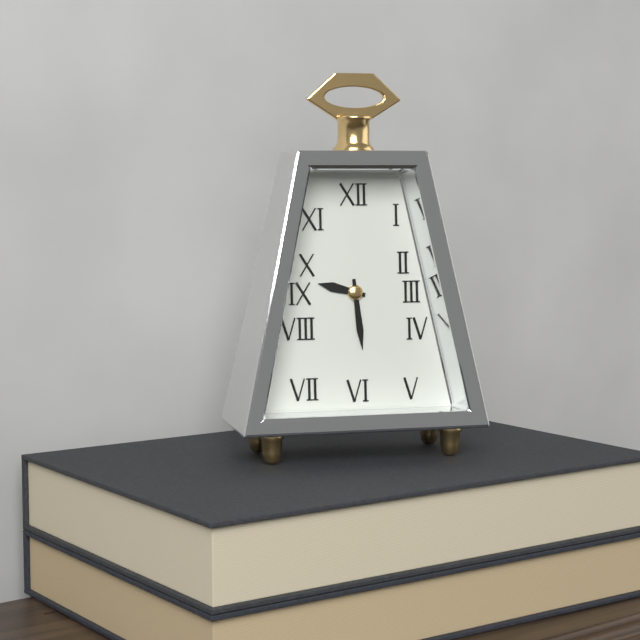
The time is **9:29**
